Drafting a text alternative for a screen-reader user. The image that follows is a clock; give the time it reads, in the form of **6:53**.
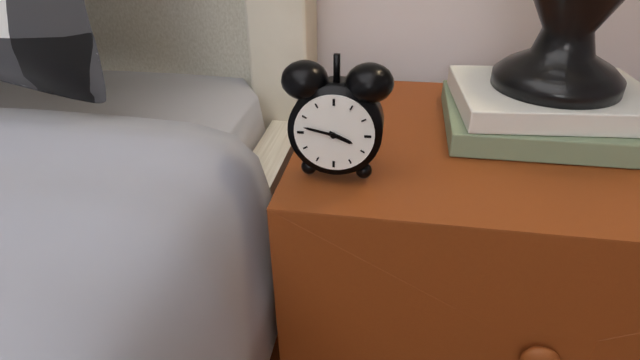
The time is **3:47**
